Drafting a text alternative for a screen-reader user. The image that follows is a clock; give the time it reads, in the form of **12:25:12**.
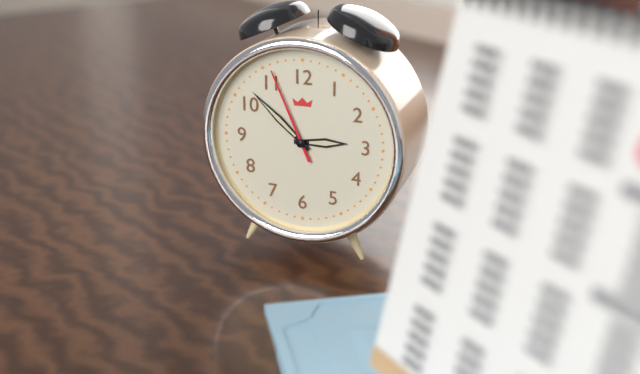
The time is **2:52:56**
